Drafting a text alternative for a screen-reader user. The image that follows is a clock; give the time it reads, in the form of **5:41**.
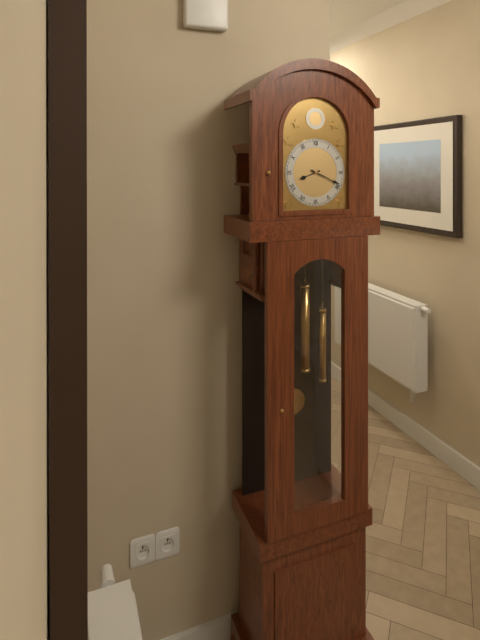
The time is **8:19**
